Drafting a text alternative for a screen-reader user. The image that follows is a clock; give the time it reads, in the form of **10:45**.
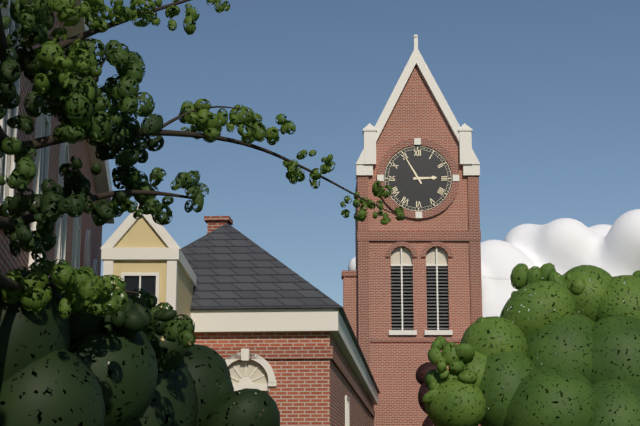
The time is **2:55**
